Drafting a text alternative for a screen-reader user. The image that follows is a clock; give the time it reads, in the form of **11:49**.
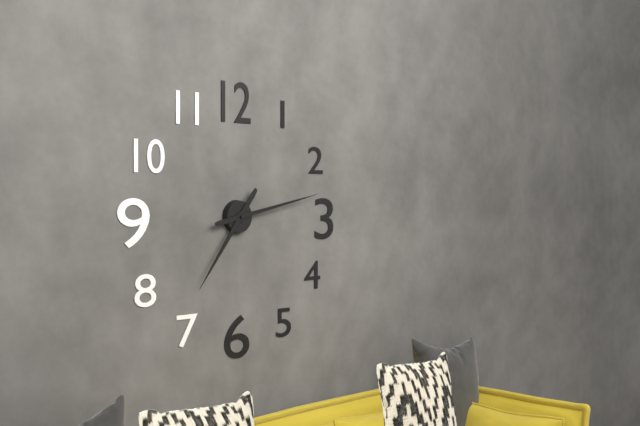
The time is **7:13**
